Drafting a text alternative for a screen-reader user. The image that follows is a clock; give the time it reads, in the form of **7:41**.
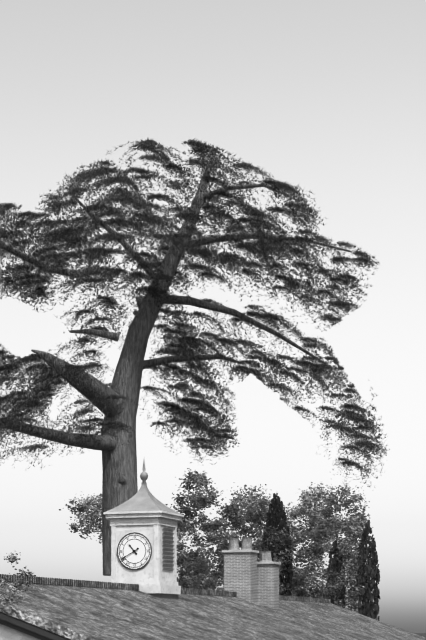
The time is **10:40**
